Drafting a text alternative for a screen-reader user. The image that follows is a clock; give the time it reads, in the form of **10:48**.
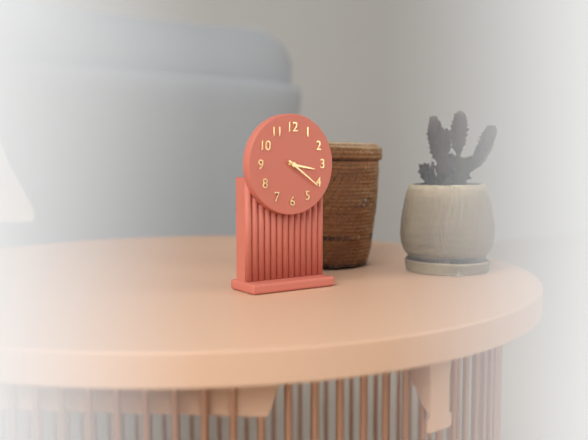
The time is **3:21**
